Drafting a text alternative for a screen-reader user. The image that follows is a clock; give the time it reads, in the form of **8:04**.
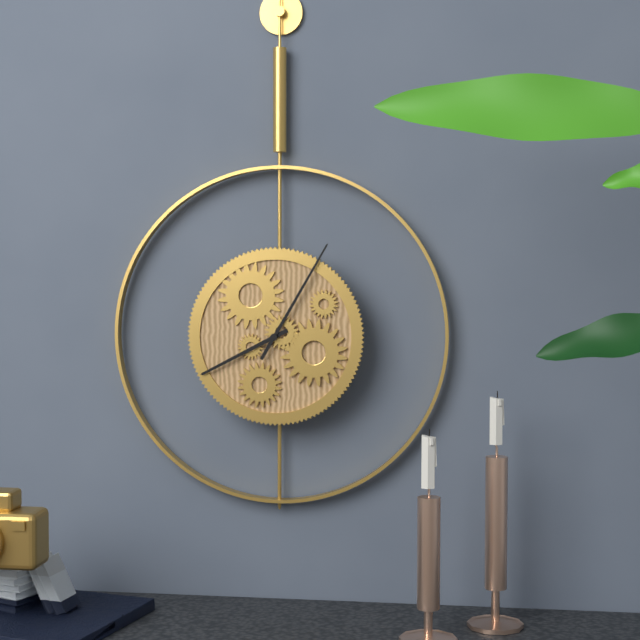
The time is **8:05**
